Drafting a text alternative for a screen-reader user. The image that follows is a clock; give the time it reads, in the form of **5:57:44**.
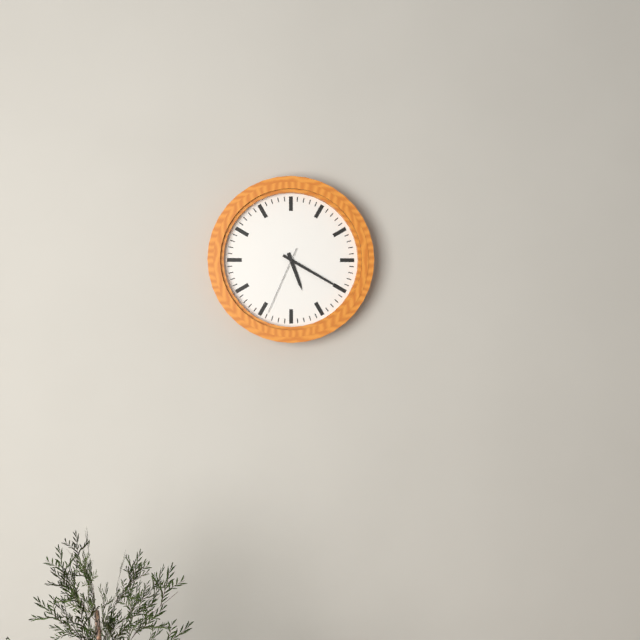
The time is **5:20:34**
